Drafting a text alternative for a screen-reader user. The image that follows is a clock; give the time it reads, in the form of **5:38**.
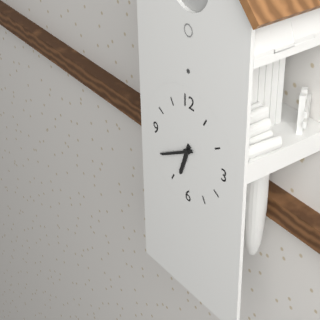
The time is **6:40**
